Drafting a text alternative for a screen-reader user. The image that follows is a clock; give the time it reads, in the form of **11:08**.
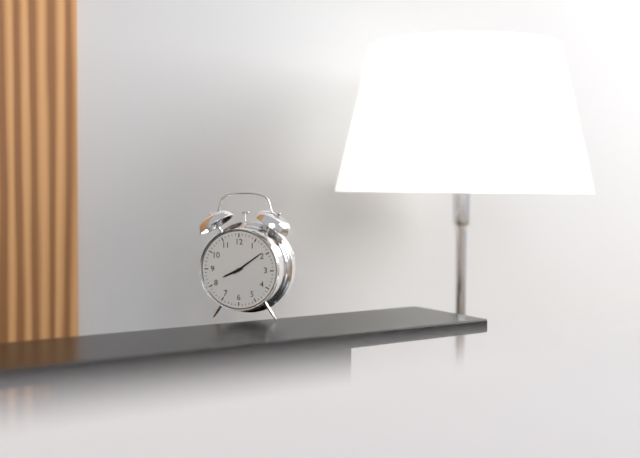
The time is **8:09**
